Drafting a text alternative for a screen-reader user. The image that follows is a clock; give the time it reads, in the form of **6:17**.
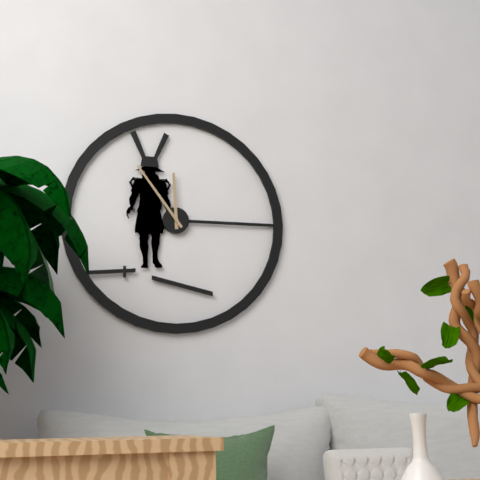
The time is **11:54**
